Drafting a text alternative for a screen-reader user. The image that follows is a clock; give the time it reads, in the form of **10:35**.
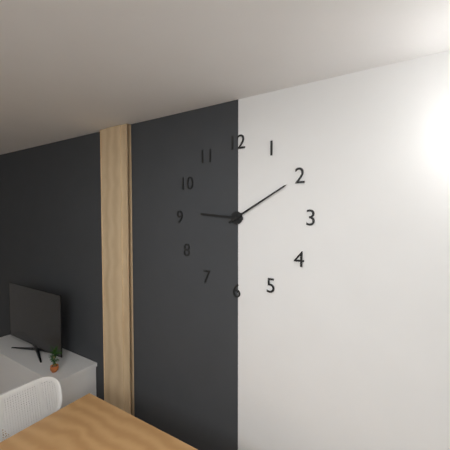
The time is **9:10**
